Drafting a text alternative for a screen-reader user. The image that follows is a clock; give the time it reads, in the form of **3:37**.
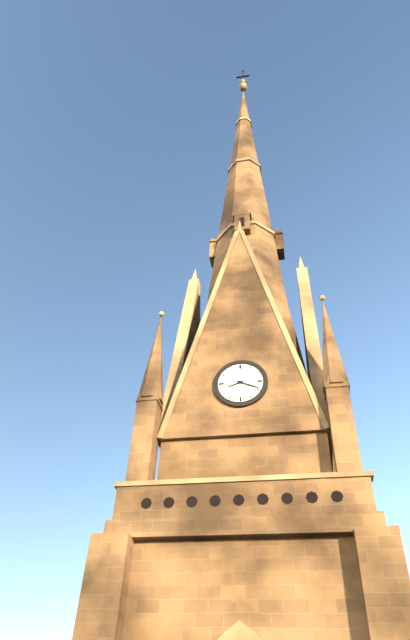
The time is **8:19**
